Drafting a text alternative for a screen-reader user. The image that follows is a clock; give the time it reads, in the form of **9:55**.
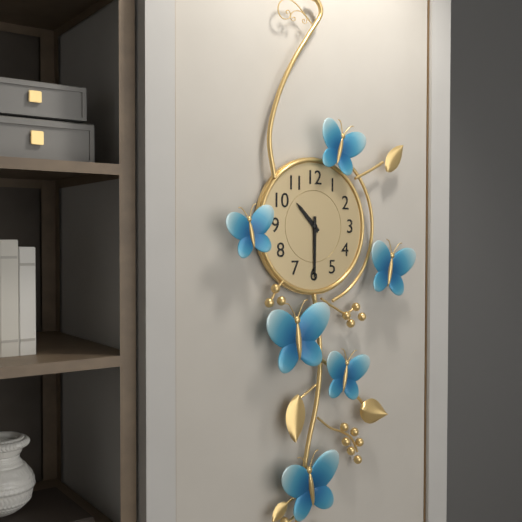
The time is **10:30**
